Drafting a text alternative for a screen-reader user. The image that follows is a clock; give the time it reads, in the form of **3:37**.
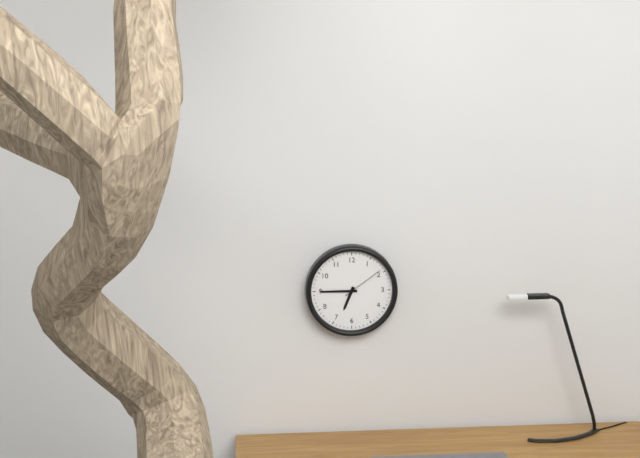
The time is **6:45**
